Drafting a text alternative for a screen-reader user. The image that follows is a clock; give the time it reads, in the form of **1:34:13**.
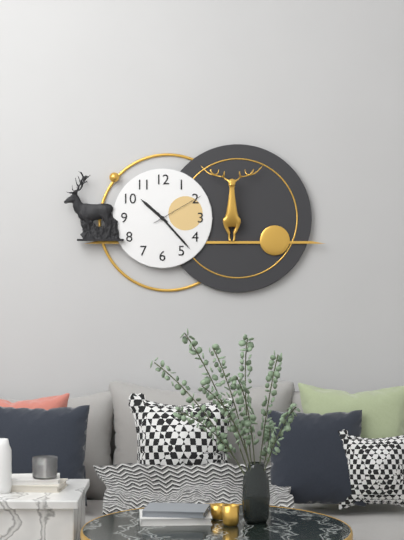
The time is **10:23:10**
